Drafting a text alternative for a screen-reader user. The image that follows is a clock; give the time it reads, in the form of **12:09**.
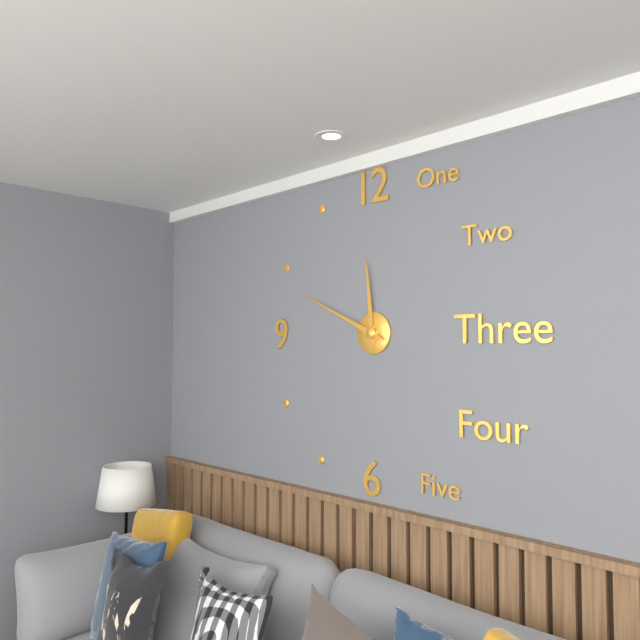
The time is **11:49**
